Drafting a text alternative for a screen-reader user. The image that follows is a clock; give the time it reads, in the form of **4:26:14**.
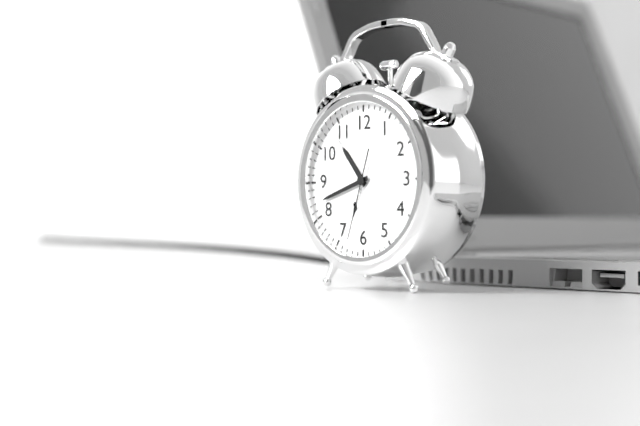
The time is **10:42:33**
